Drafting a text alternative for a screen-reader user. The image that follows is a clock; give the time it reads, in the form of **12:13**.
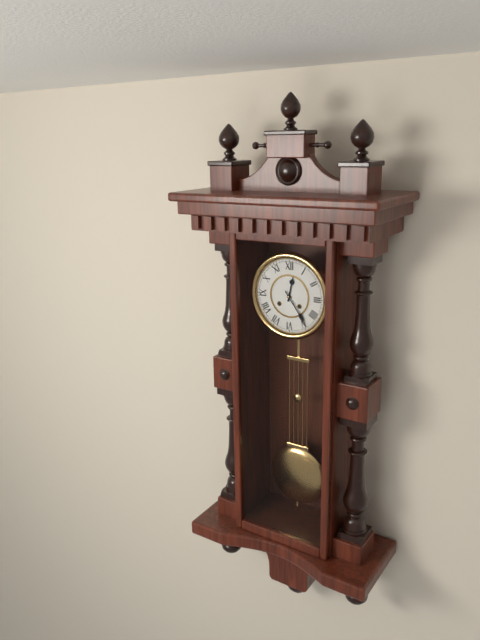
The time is **12:24**
